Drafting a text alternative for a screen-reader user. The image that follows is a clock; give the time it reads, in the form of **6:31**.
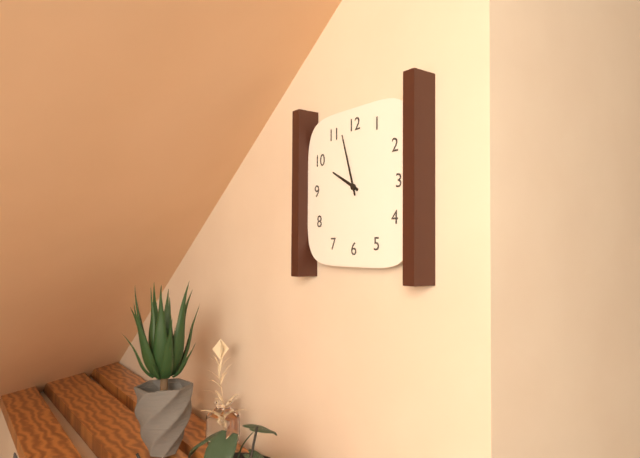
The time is **9:57**
